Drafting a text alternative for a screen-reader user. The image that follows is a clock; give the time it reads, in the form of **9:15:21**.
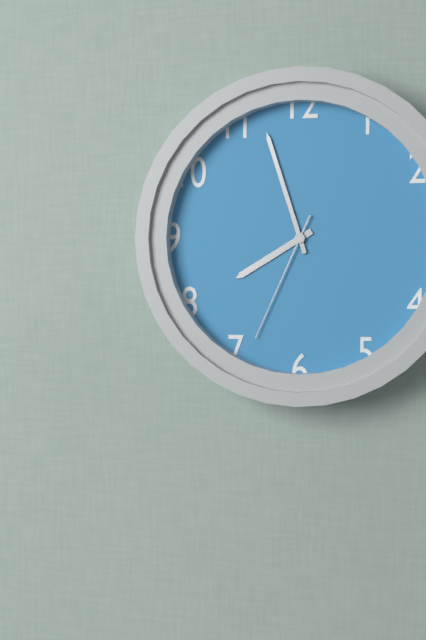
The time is **7:57:34**
